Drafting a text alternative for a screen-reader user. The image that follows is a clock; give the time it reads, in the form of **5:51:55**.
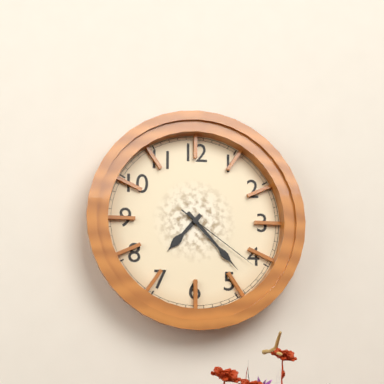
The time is **7:23:21**
